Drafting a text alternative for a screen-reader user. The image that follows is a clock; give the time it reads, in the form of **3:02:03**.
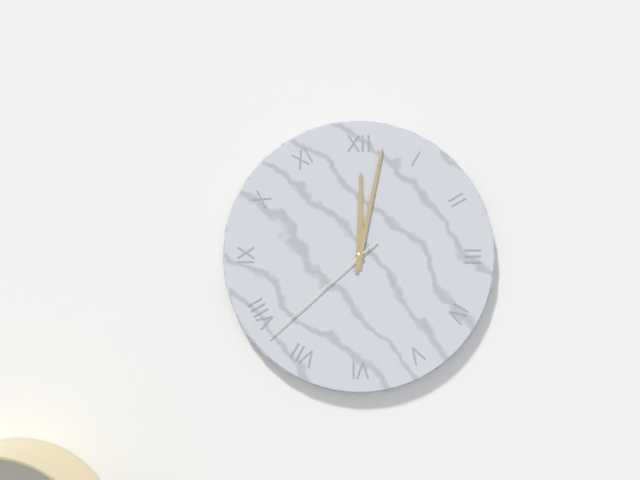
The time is **12:02:38**
